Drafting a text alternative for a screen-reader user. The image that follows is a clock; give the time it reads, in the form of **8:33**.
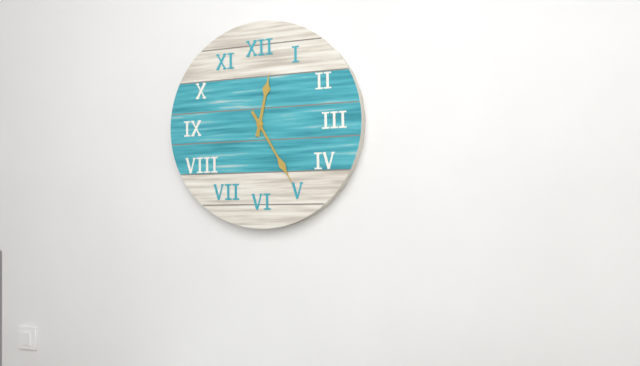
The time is **12:25**
